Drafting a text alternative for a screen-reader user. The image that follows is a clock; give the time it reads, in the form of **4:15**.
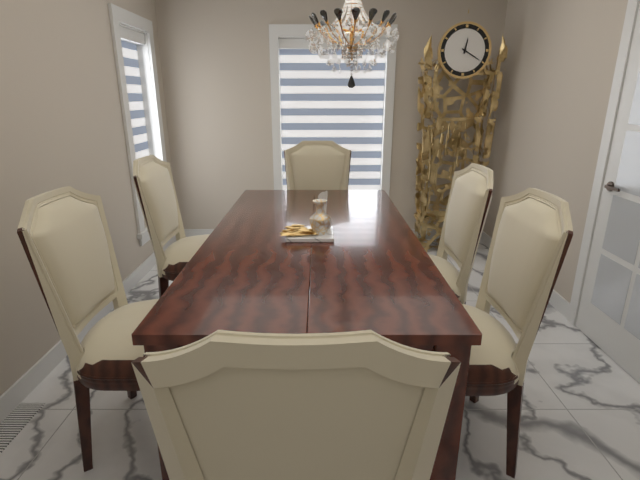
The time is **12:20**
